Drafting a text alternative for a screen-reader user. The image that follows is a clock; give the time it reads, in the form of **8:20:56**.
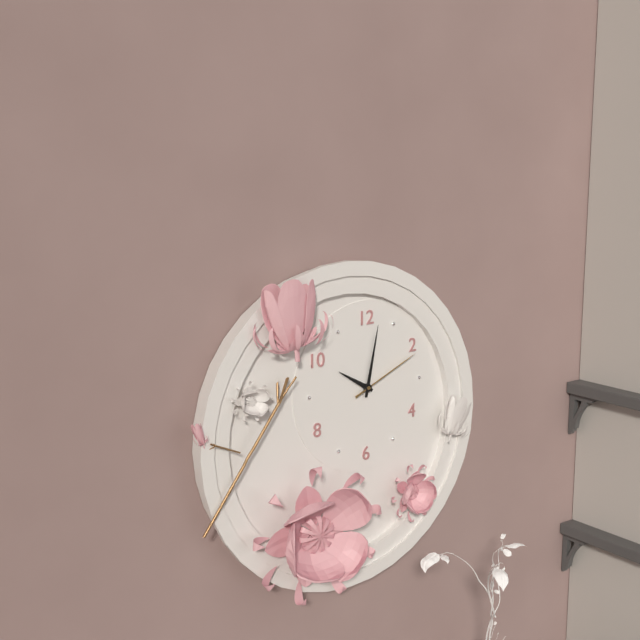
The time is **10:02:11**
